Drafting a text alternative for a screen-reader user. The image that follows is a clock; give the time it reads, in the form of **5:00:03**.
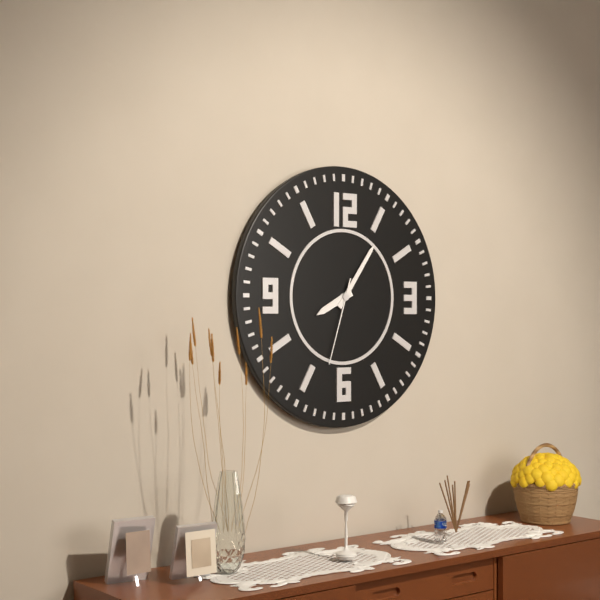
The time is **8:06:33**
